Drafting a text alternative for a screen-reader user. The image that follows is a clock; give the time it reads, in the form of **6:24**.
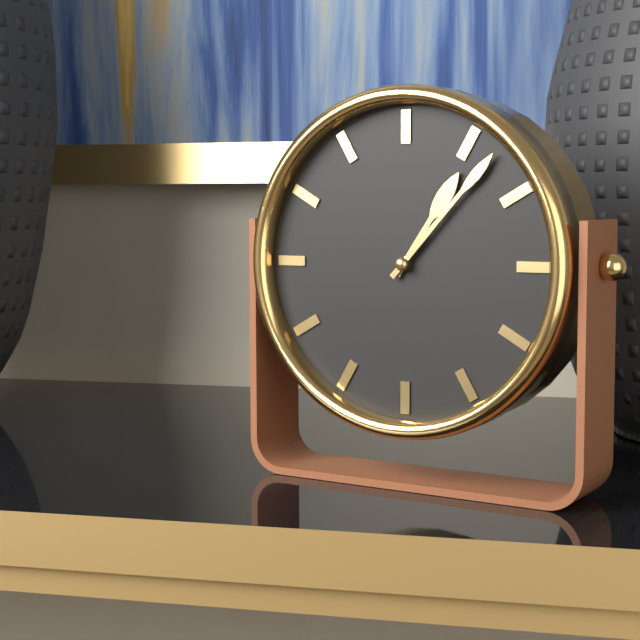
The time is **1:07**
